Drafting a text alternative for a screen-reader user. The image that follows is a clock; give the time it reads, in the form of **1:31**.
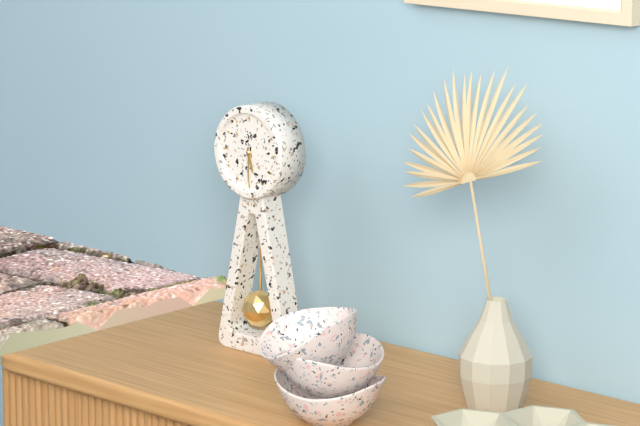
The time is **5:30**
